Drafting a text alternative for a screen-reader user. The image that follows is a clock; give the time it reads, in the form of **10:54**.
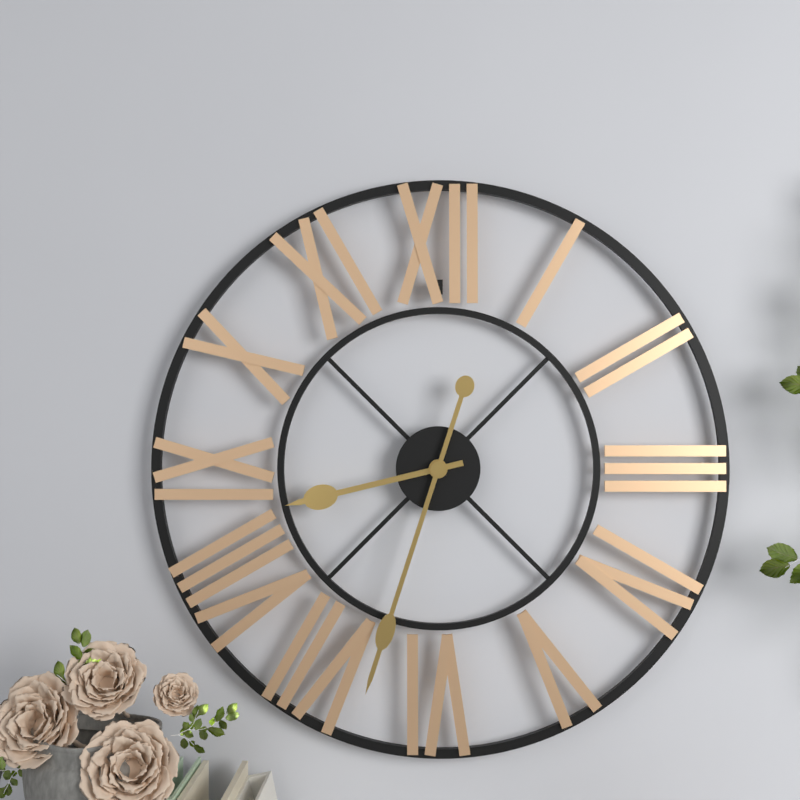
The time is **8:33**
